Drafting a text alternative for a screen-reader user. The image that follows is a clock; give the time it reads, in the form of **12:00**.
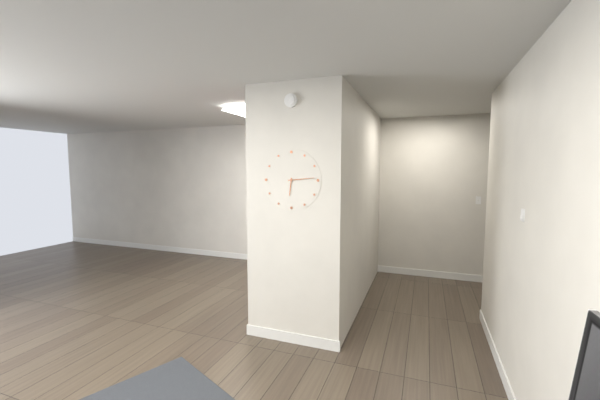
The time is **6:14**
